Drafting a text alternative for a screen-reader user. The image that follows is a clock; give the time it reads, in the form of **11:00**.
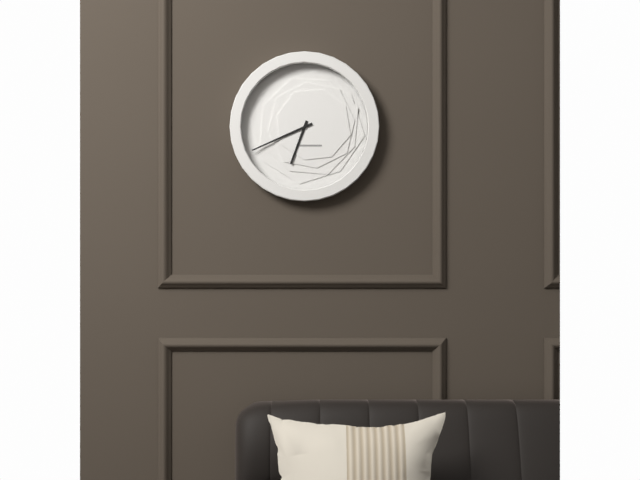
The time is **6:41**
